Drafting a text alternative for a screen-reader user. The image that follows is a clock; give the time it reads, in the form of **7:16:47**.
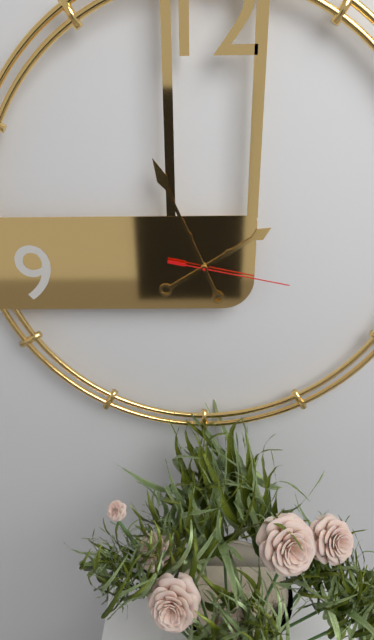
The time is **1:56:17**
